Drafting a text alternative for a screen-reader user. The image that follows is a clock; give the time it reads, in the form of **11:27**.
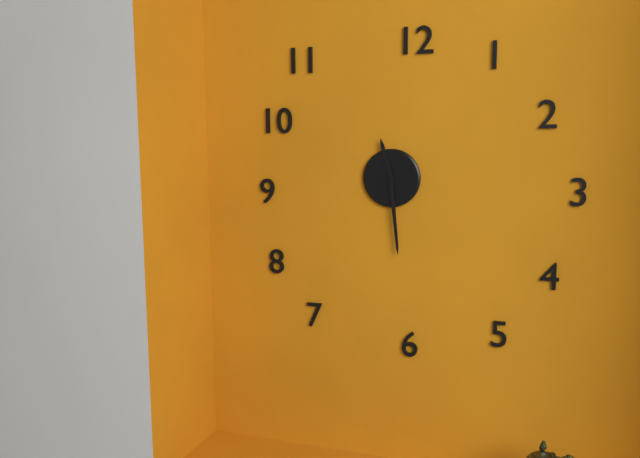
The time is **11:29**
